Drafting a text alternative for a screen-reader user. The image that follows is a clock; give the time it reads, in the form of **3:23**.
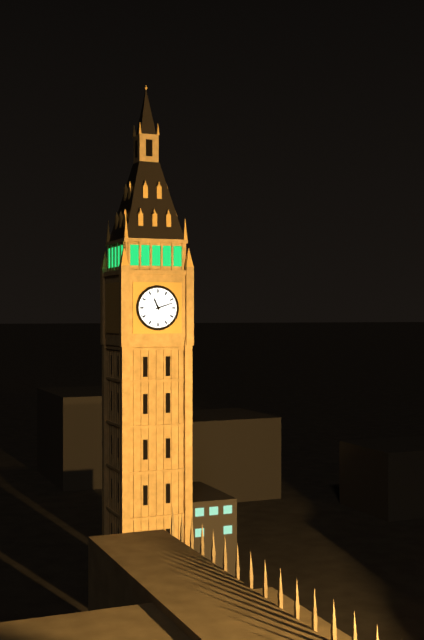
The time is **11:12**
